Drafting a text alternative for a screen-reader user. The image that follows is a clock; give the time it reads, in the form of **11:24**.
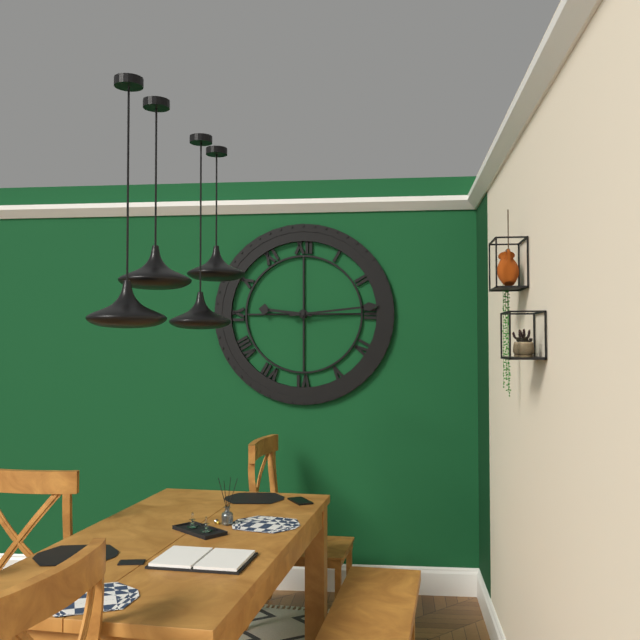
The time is **9:14**
